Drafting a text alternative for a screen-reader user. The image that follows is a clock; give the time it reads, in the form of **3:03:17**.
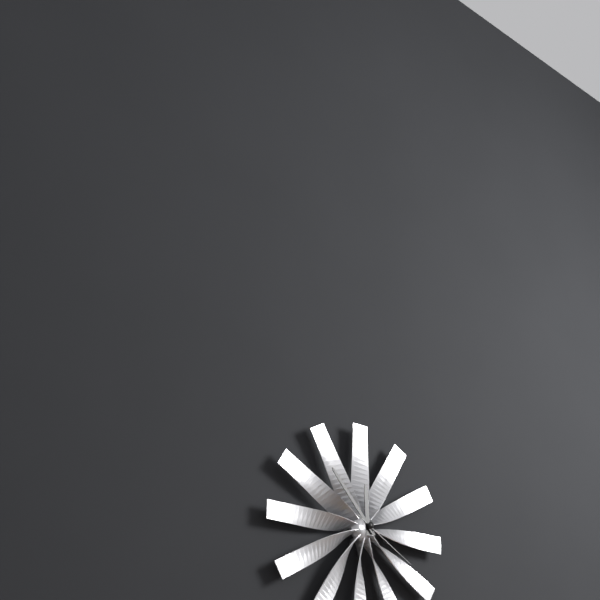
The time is **11:53:20**
